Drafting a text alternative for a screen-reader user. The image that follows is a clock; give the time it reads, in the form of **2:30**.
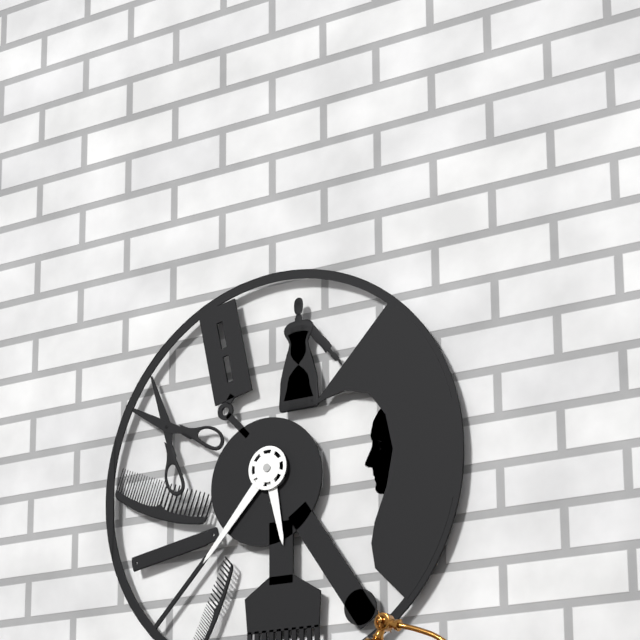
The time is **5:37**
